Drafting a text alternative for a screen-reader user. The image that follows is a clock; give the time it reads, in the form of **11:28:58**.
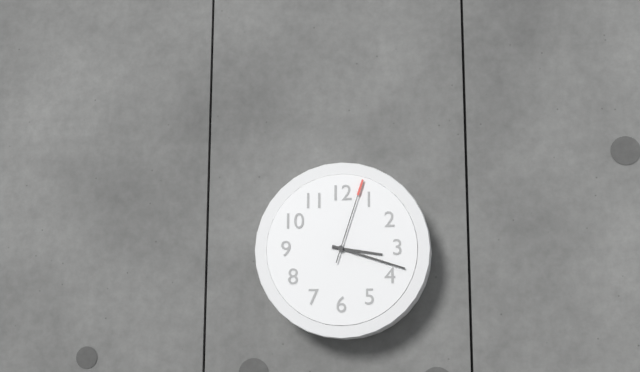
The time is **3:18:03**
